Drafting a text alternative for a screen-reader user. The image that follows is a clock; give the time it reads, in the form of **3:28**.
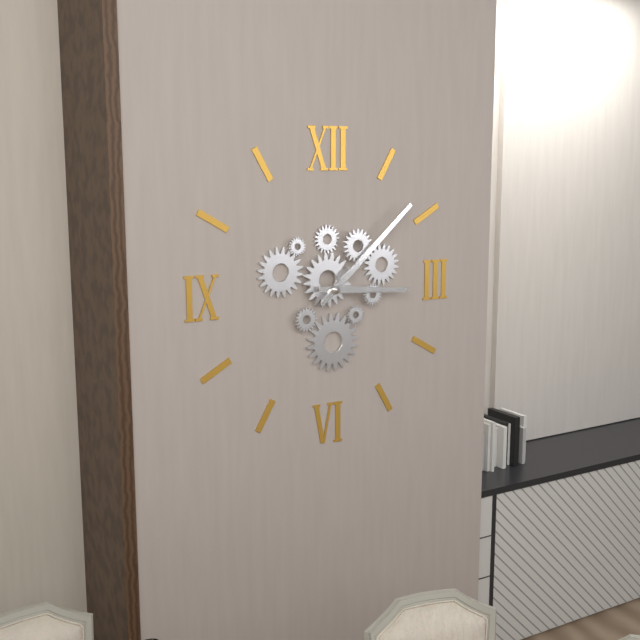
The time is **3:08**
